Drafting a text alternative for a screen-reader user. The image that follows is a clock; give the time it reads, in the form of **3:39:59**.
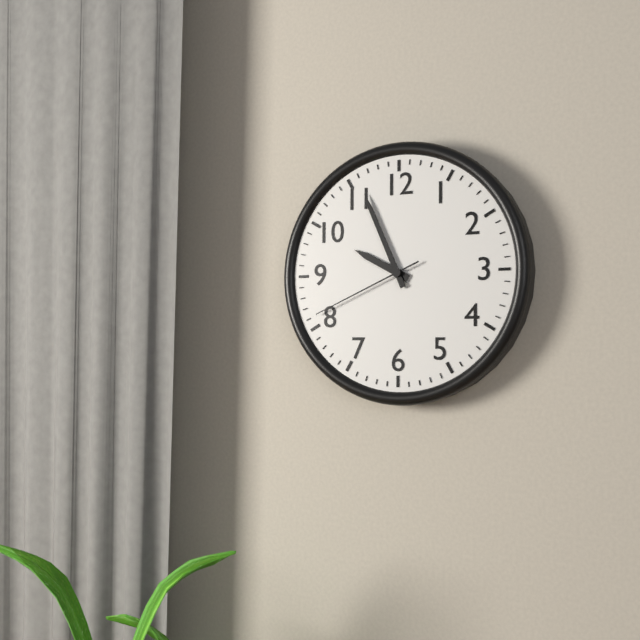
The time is **9:56:41**
